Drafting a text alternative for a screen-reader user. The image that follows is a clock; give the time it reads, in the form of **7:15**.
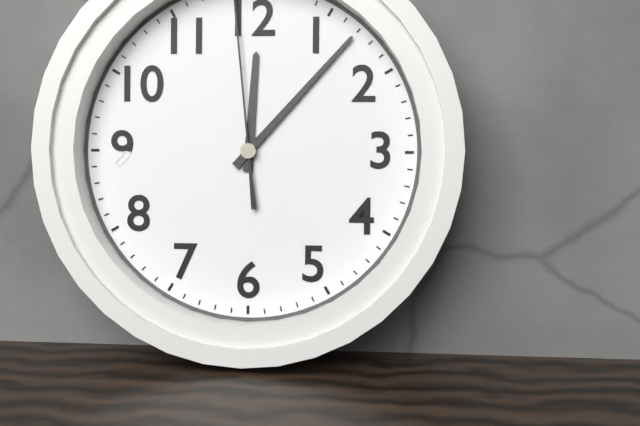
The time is **12:07**
